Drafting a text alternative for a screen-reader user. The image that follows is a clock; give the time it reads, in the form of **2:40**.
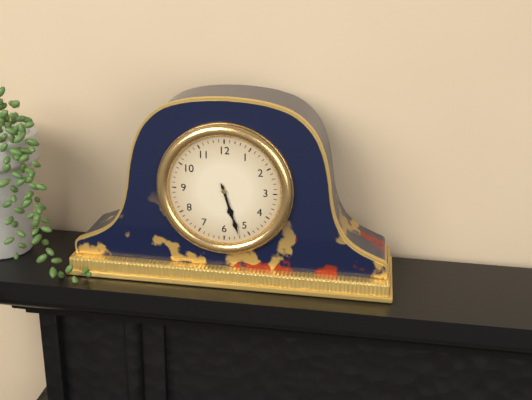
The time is **5:27**
